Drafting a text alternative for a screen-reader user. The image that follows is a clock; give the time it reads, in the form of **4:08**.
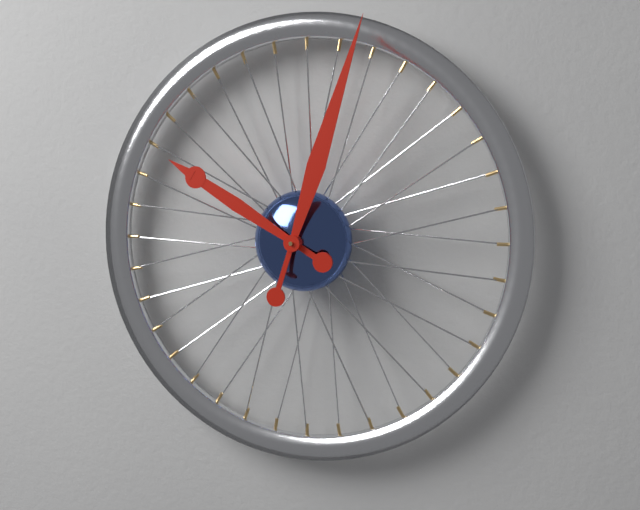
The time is **10:03**
